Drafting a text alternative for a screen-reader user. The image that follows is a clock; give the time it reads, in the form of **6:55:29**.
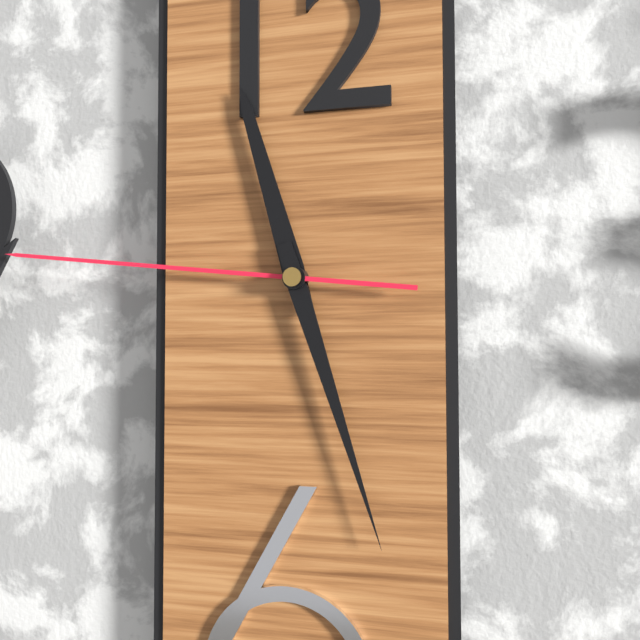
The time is **11:27:46**
